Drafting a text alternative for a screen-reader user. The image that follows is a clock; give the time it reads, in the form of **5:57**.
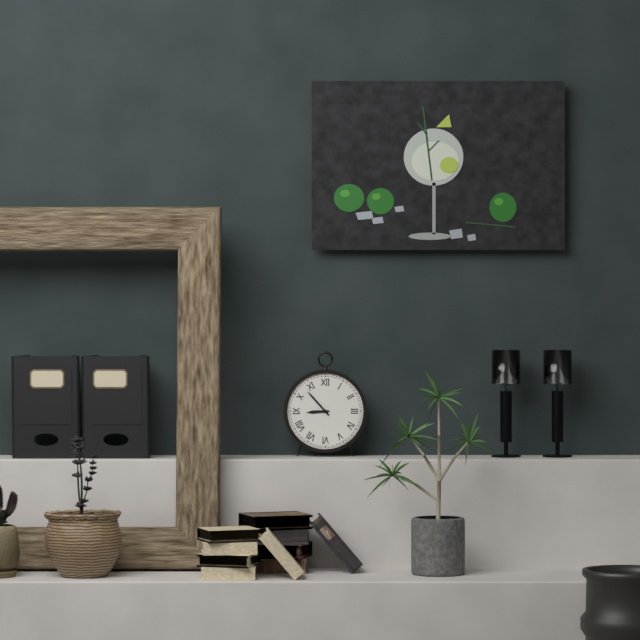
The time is **8:53**
